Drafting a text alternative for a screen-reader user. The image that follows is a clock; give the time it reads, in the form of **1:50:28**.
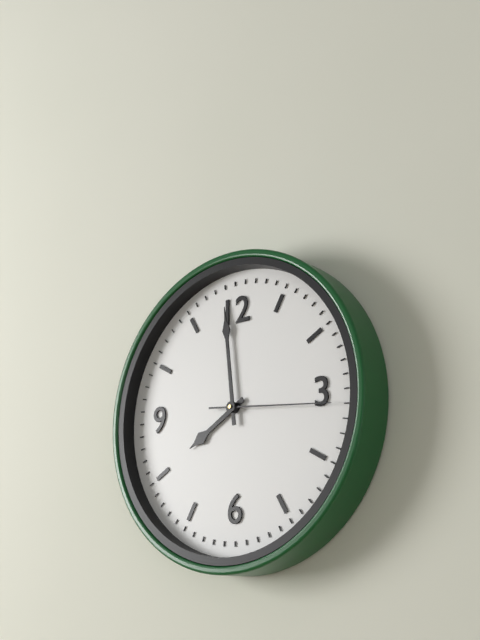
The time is **7:59:16**
